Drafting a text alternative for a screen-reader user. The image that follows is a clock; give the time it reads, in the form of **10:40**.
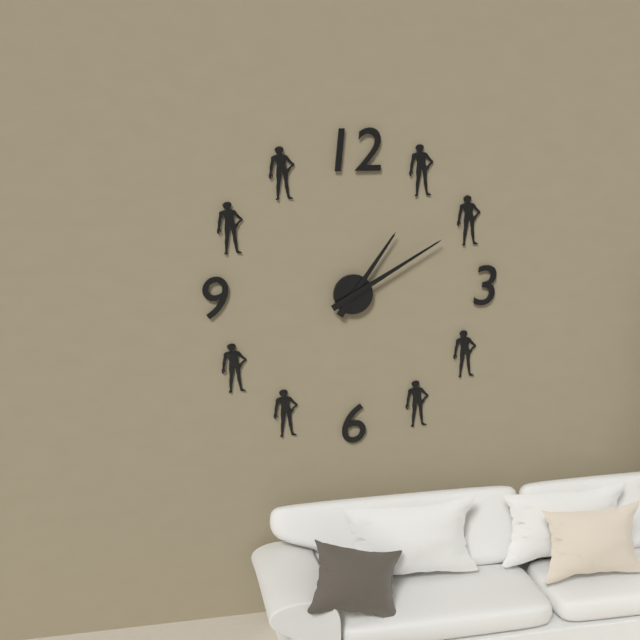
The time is **1:10**
